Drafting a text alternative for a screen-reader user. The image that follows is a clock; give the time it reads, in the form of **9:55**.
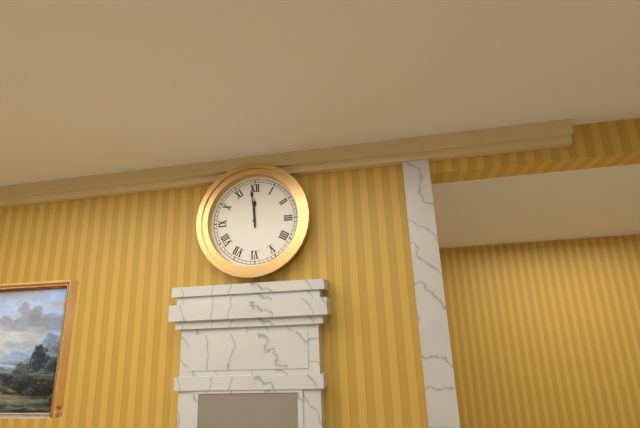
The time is **11:59**
